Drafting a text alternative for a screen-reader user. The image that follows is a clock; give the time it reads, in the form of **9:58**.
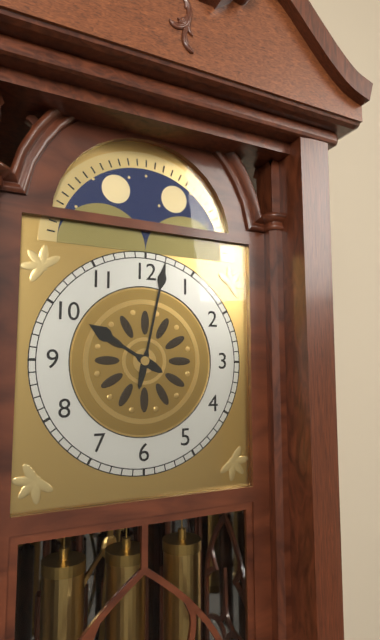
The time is **10:02**
